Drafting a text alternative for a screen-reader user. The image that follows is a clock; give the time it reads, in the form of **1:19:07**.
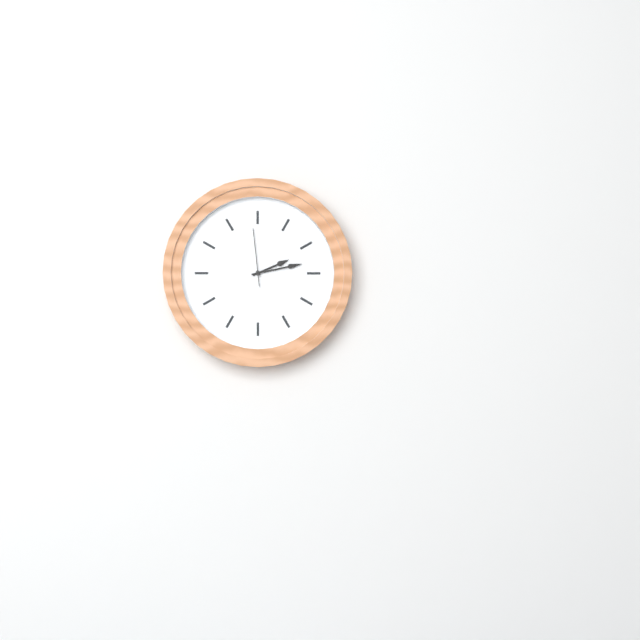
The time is **2:13:59**
